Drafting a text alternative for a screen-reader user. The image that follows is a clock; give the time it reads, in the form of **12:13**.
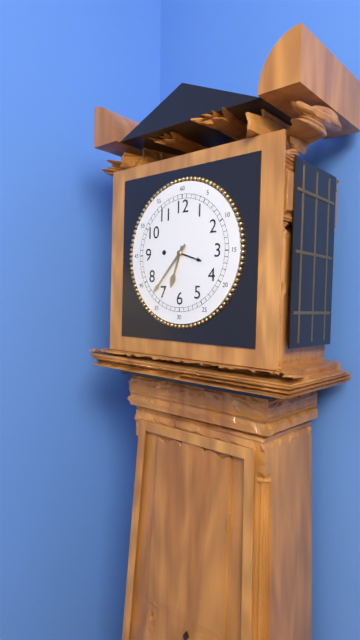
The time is **6:37**
